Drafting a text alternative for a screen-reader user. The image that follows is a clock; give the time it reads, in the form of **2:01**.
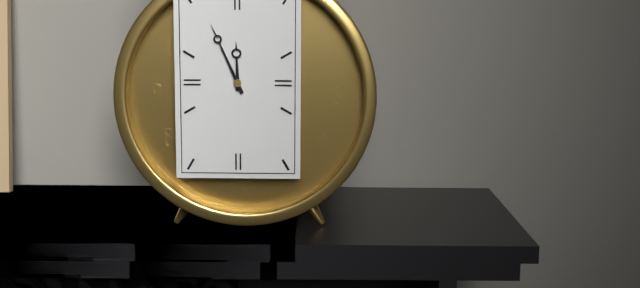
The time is **11:56**
